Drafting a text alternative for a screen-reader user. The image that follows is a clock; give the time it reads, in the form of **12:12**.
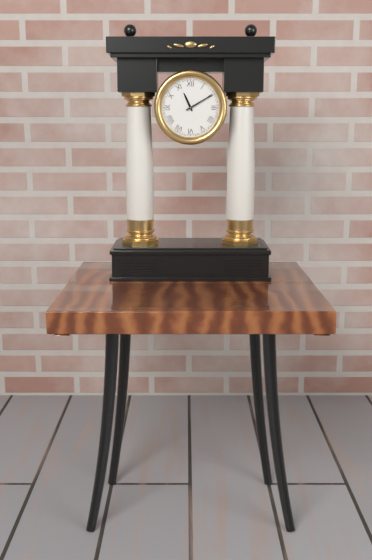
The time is **11:10**
